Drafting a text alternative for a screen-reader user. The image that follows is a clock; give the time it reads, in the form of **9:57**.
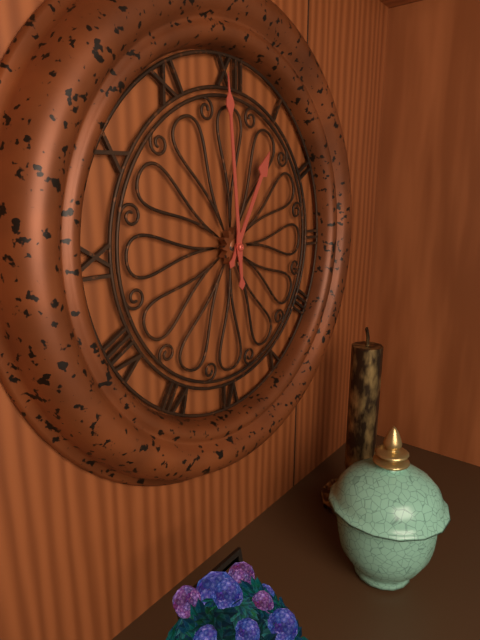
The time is **12:59**
